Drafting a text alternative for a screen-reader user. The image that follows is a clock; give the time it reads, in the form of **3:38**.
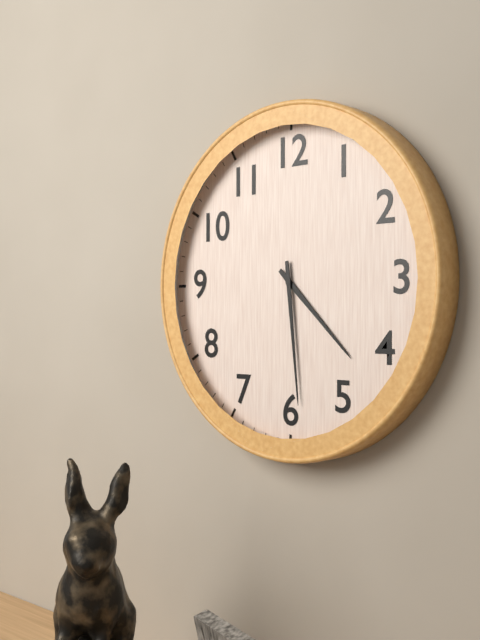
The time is **4:29**
